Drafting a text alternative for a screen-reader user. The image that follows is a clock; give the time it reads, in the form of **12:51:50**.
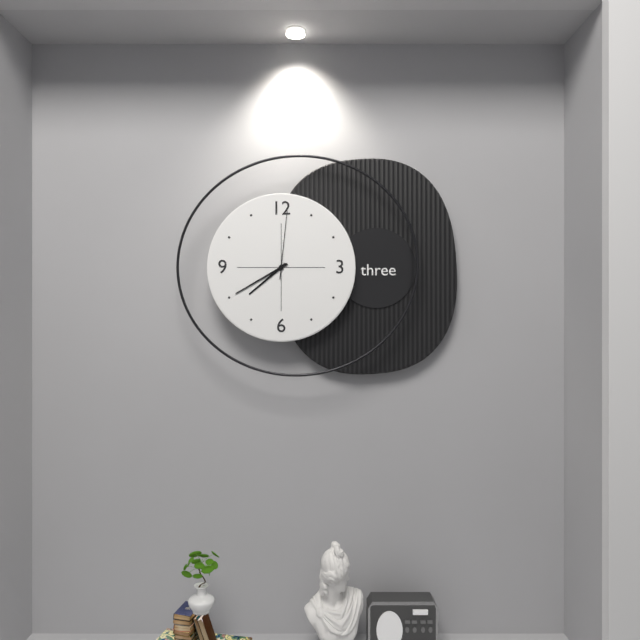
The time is **7:40:01**
